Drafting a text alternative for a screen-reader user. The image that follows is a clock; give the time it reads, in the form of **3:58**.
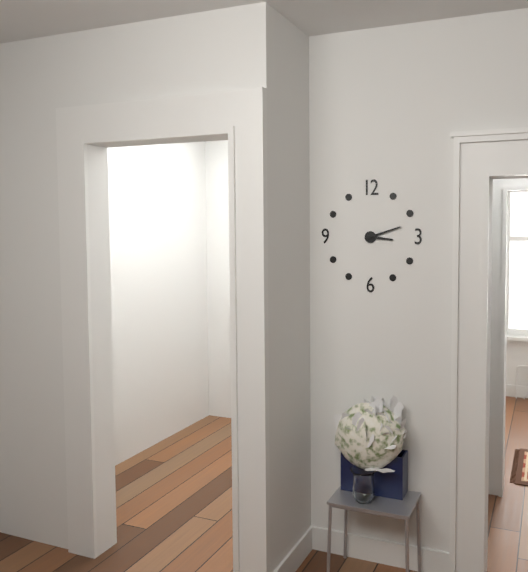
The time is **3:12**
